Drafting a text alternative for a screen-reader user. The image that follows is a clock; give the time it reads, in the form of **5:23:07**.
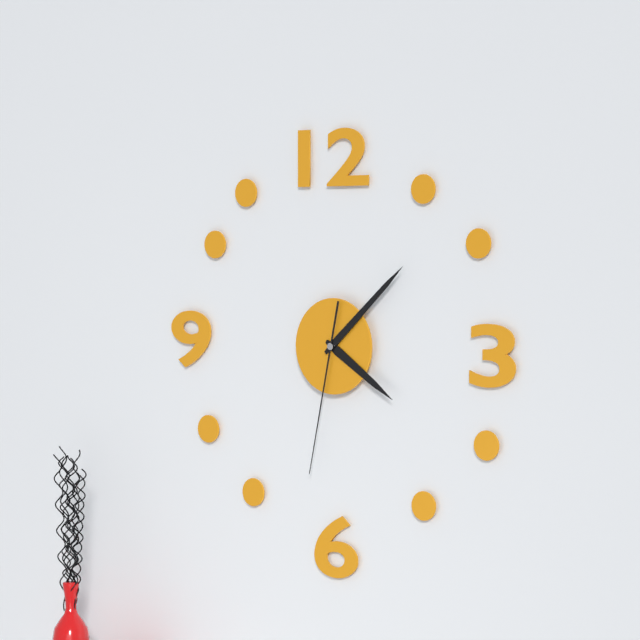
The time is **4:08:32**
